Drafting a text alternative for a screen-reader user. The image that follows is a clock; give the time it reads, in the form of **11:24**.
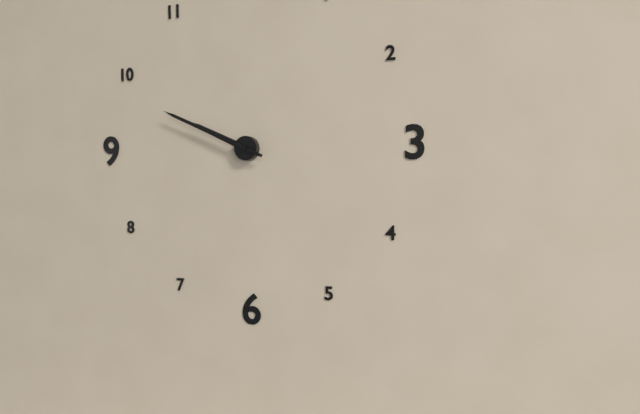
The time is **9:49**
